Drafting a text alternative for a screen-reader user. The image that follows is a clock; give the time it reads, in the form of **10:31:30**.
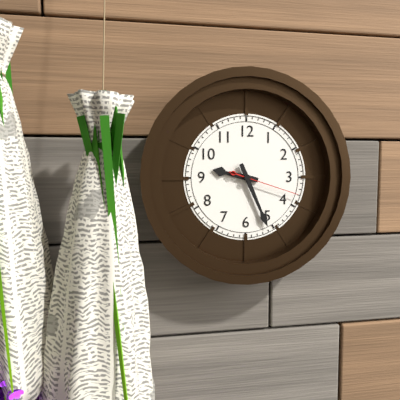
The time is **9:26:18**
